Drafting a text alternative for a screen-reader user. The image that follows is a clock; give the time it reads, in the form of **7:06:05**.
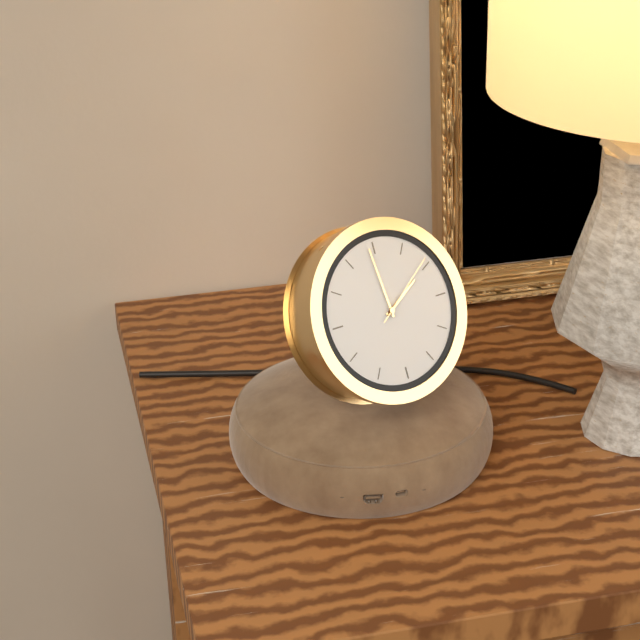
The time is **1:59:09**
